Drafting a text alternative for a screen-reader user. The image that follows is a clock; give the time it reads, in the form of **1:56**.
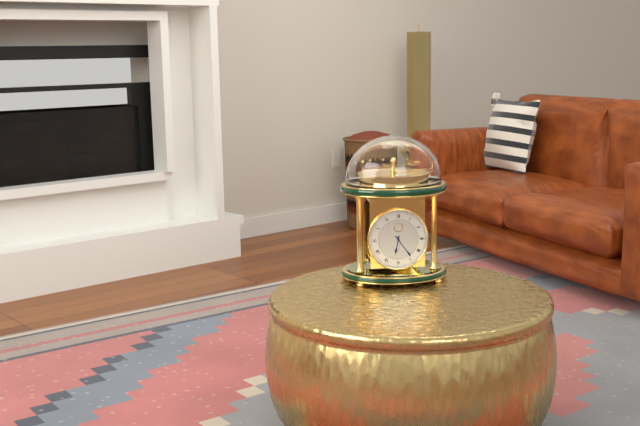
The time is **6:24**
